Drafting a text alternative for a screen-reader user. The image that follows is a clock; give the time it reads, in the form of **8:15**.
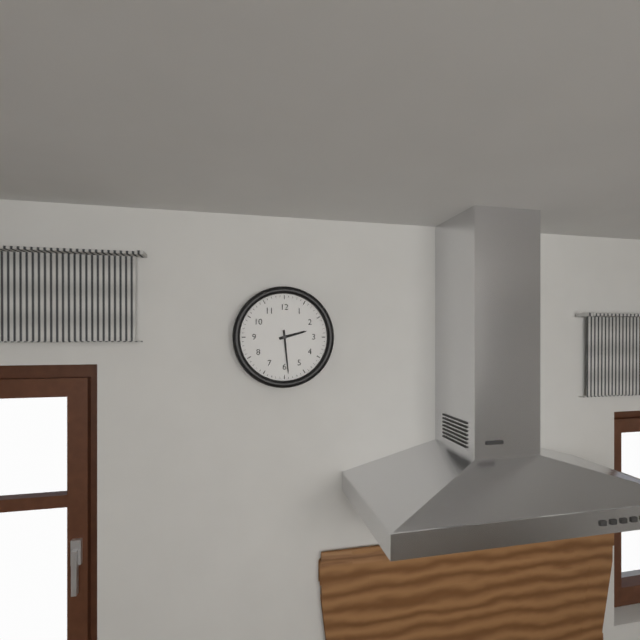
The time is **2:29**
